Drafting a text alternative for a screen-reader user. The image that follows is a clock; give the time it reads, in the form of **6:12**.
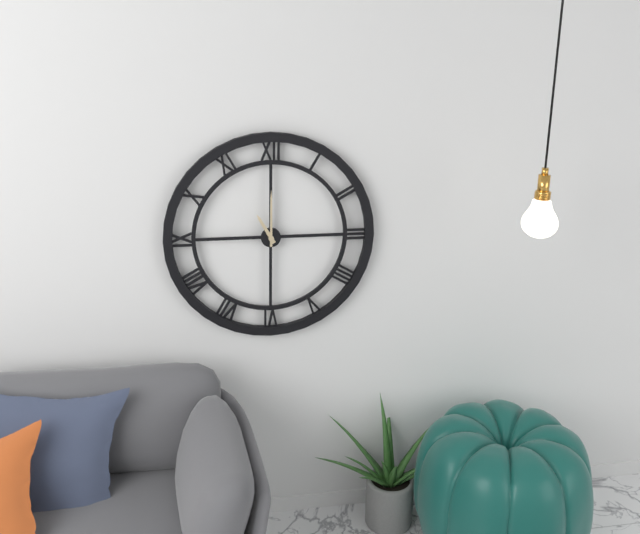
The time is **11:00**
